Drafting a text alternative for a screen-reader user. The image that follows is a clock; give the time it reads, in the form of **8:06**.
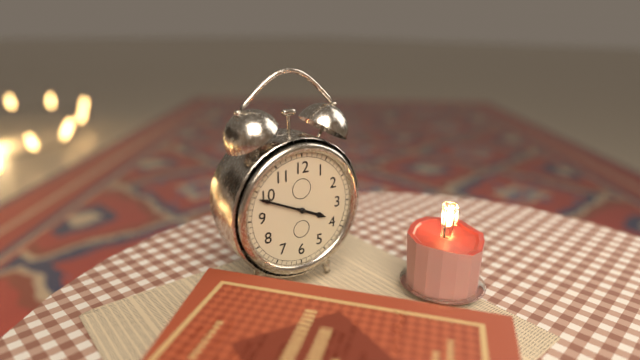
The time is **3:49**
